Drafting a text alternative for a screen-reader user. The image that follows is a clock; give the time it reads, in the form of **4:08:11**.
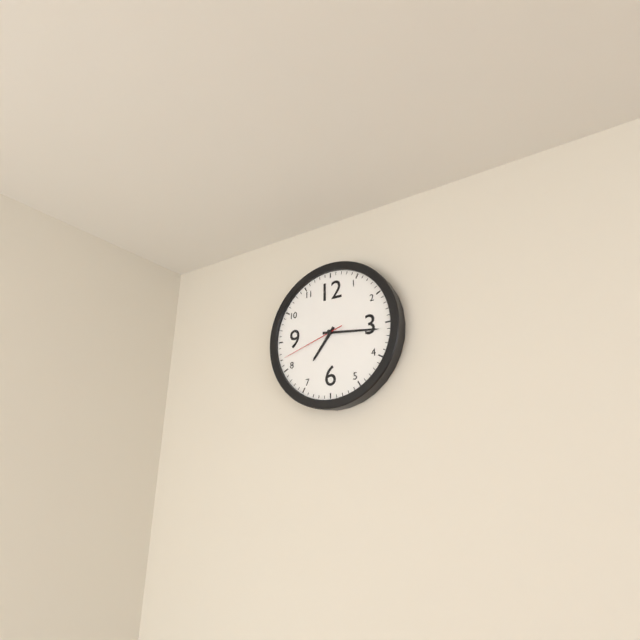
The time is **7:16:42**
